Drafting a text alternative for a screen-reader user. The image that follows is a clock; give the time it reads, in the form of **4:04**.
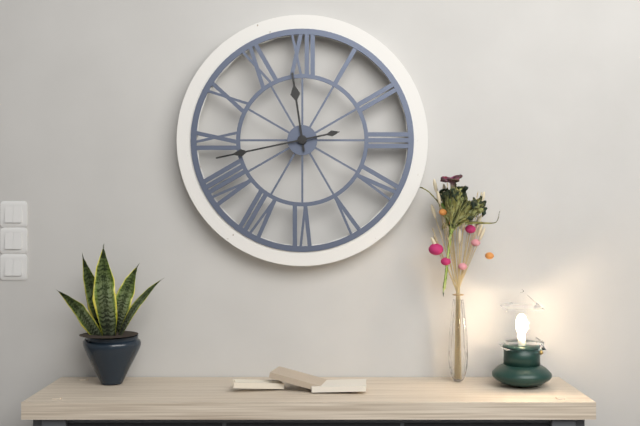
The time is **11:43**
